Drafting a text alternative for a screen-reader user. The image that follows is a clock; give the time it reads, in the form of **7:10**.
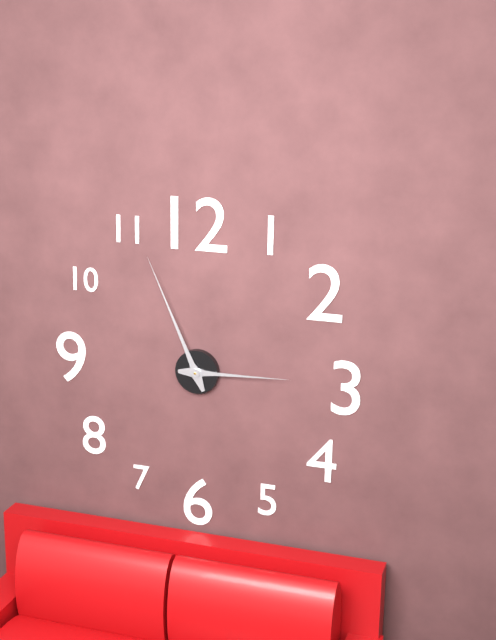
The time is **2:56**
